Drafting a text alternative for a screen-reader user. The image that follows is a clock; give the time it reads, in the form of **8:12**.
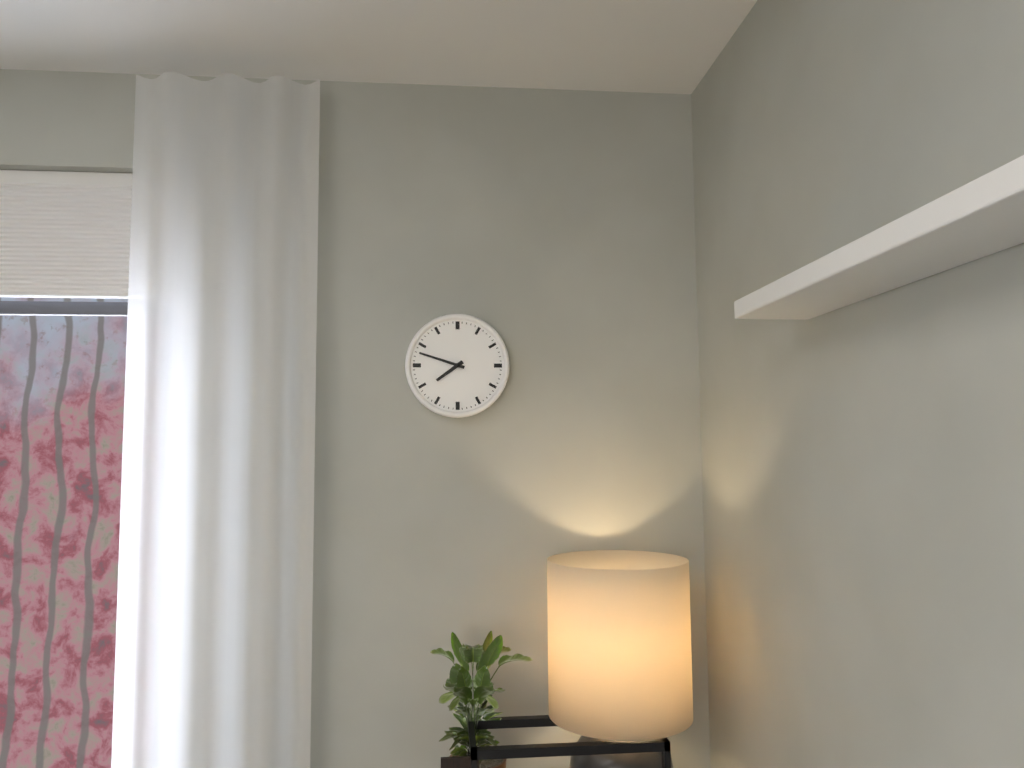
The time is **7:48**
